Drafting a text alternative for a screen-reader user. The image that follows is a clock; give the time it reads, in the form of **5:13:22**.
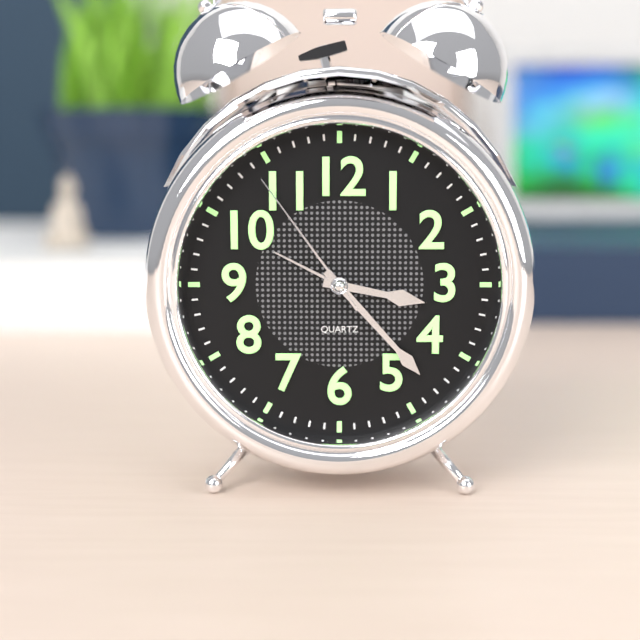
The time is **3:23:54**
